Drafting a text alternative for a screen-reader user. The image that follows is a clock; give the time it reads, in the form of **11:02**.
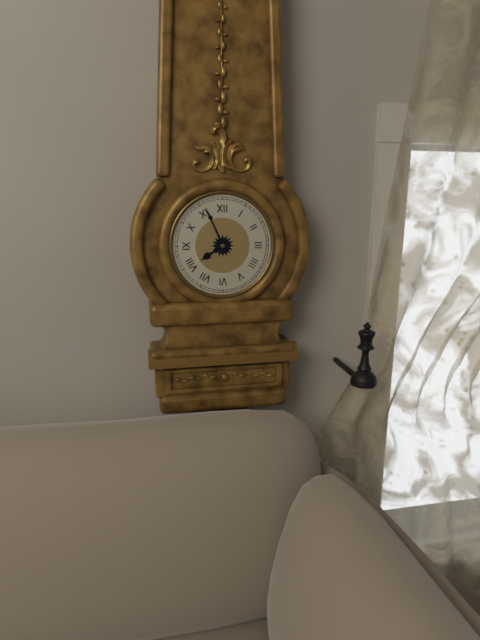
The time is **7:56**
